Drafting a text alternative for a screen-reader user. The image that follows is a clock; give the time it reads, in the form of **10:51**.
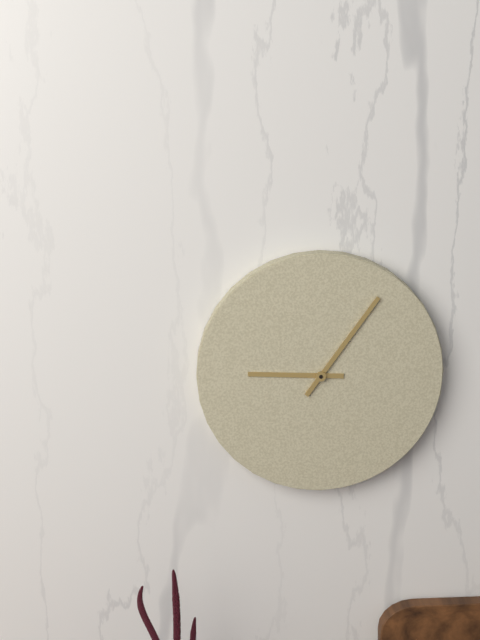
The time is **9:06**
